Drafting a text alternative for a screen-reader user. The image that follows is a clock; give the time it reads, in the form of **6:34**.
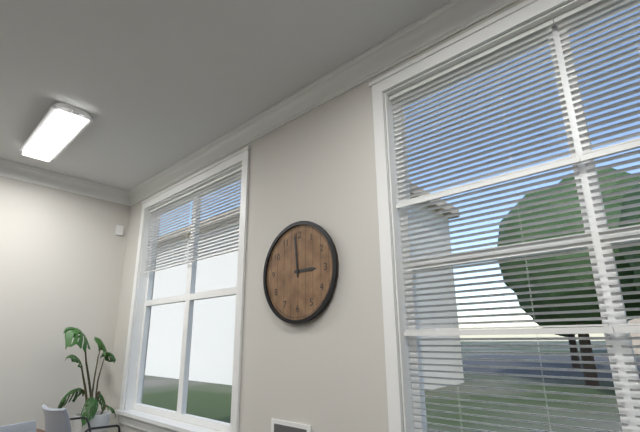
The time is **2:59**
